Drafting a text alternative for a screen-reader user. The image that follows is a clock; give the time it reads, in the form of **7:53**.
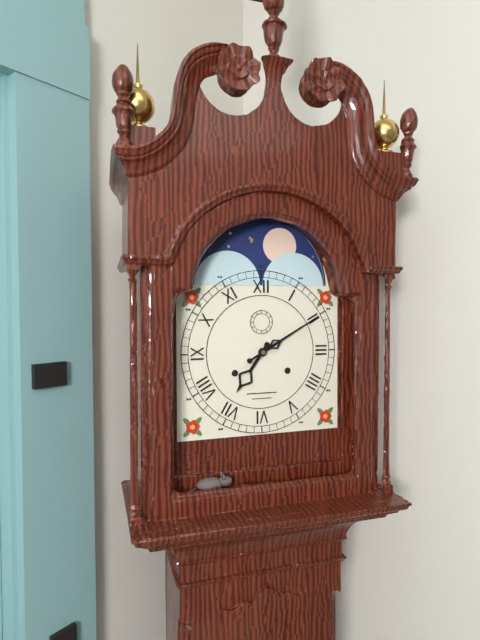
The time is **7:10**
